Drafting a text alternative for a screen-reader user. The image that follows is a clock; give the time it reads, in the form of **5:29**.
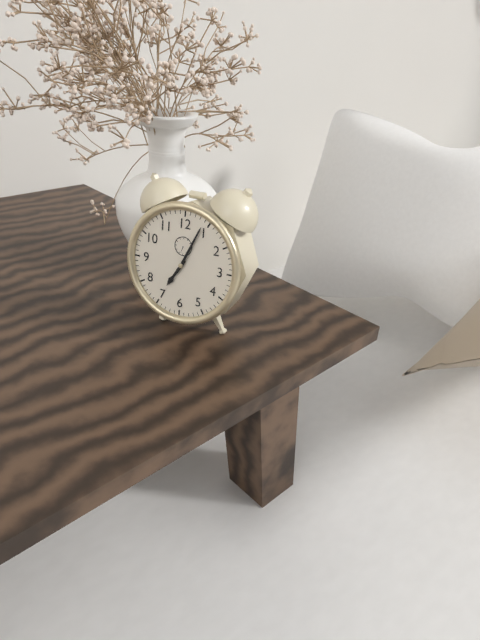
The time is **7:04**
